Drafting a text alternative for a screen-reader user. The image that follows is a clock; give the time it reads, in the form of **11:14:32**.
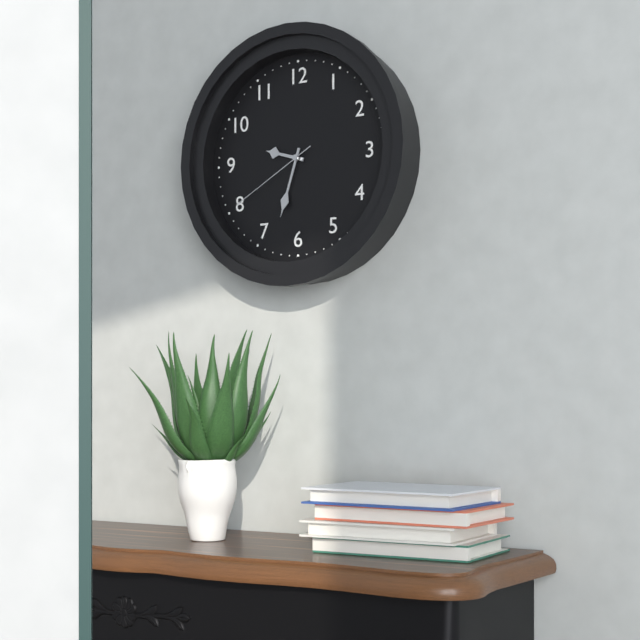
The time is **9:33:40**
